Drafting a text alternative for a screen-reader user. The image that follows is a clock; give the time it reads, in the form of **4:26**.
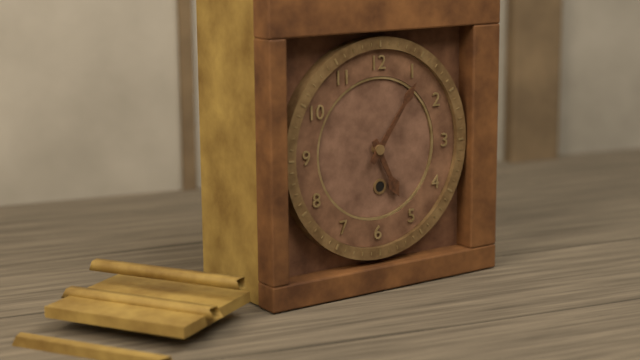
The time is **5:06**
